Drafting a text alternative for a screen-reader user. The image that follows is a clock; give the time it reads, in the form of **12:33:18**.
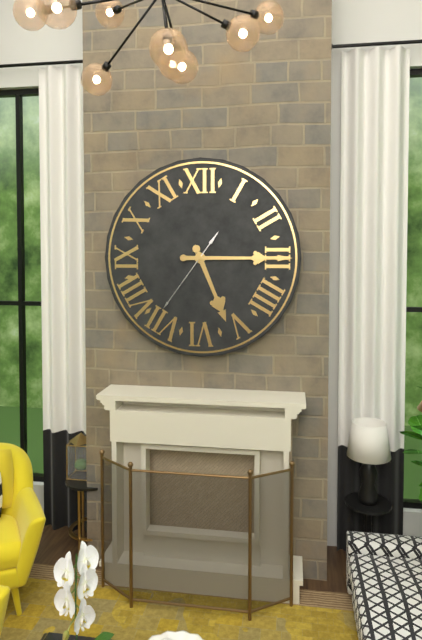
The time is **5:15:36**
